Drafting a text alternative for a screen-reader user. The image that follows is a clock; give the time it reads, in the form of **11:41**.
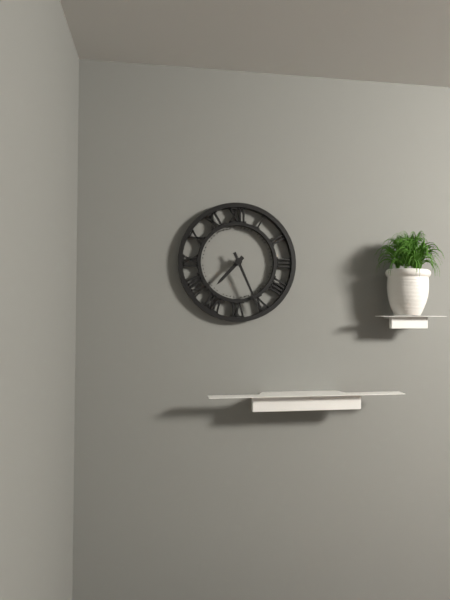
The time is **7:26**
